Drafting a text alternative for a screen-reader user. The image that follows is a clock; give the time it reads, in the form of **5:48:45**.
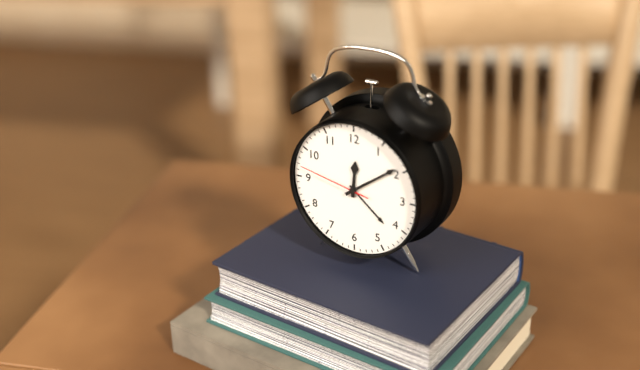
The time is **12:09:47**
